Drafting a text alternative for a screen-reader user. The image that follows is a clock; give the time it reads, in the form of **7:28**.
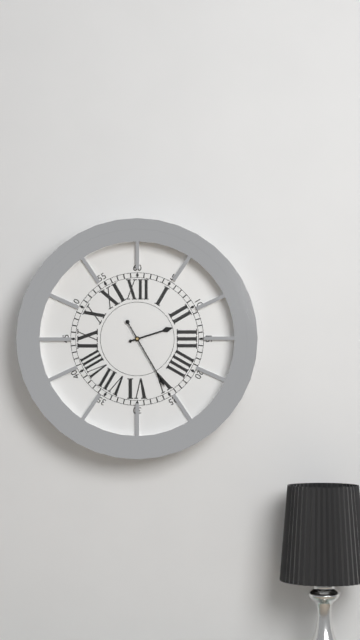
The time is **2:25**
